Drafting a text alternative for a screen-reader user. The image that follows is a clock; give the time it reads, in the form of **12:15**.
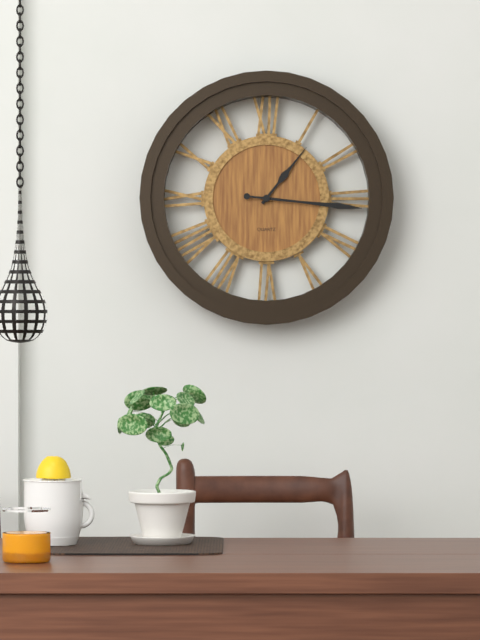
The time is **1:16**
